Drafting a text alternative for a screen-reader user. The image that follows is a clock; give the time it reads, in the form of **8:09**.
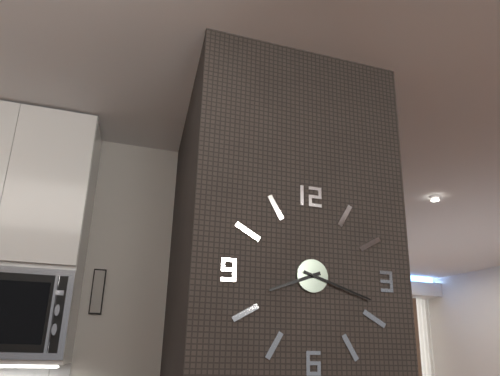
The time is **8:18**
